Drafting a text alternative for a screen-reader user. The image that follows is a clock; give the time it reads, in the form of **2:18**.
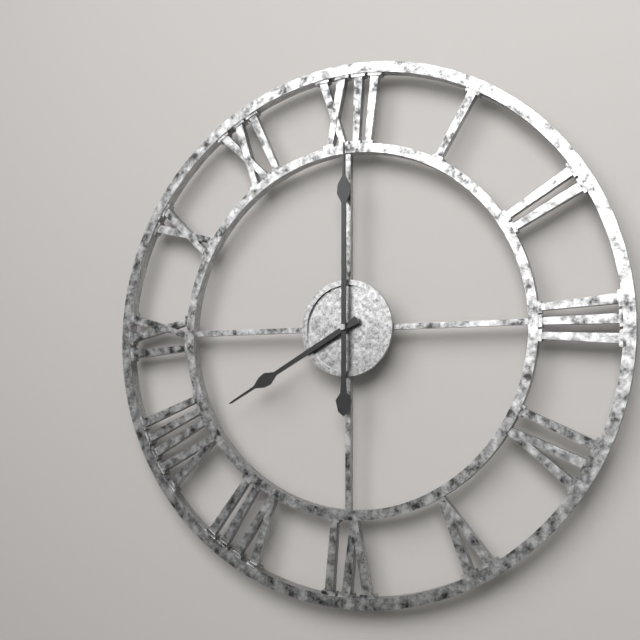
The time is **8:00**
